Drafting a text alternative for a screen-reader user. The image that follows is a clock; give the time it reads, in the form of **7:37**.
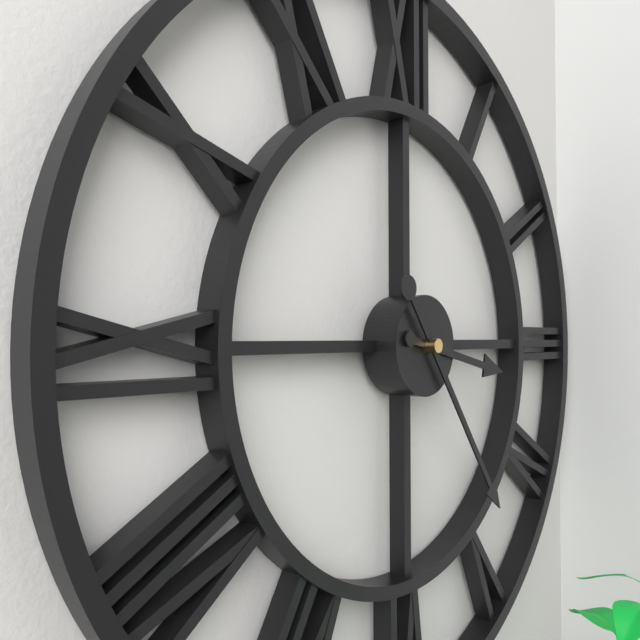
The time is **3:24**
